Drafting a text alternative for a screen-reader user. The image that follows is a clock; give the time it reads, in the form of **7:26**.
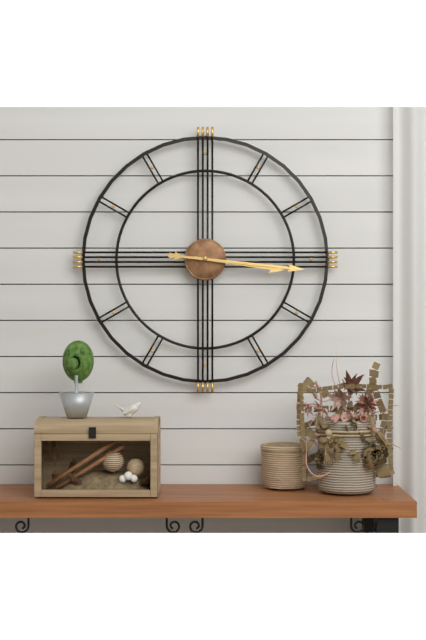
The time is **3:16**
